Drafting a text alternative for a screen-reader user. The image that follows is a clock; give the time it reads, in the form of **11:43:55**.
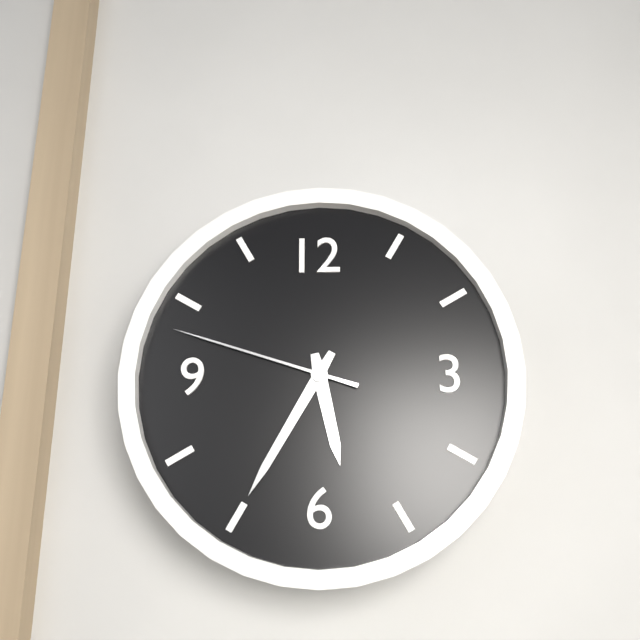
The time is **5:35:48**
